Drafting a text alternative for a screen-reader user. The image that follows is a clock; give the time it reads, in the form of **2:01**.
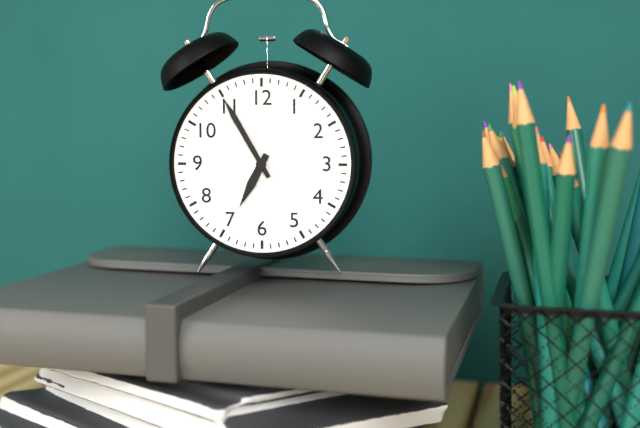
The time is **6:55**
